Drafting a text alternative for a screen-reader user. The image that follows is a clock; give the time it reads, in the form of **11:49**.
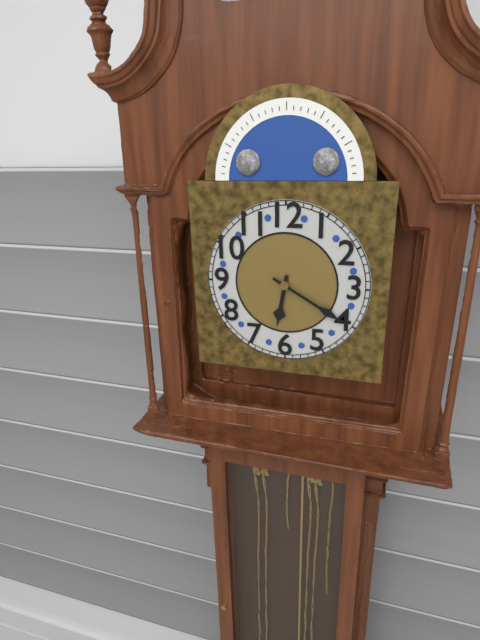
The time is **6:20**
